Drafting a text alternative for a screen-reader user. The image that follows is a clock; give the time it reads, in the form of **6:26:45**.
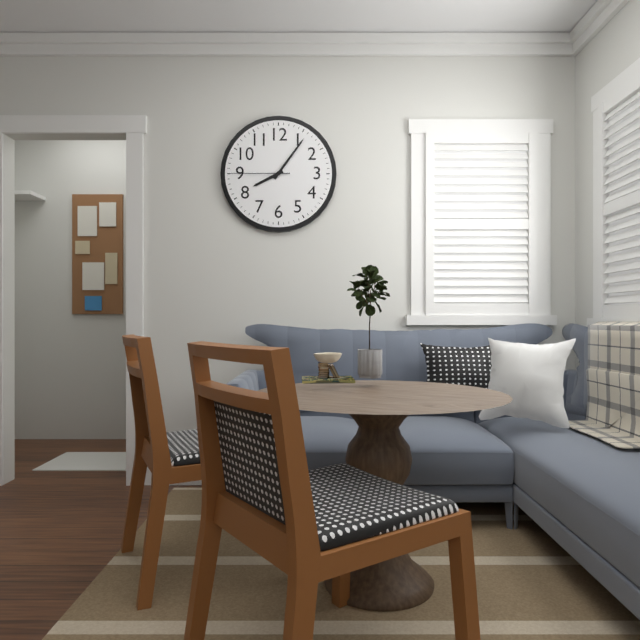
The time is **8:06:45**
